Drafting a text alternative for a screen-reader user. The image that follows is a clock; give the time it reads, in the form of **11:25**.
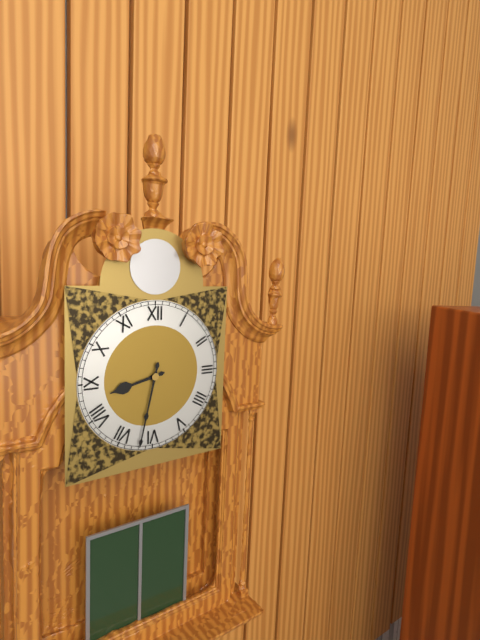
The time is **8:32**
